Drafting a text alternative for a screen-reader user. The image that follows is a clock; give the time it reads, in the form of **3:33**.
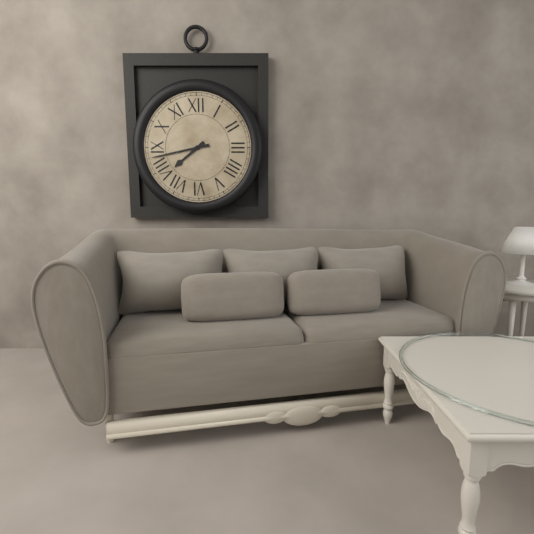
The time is **7:43**
